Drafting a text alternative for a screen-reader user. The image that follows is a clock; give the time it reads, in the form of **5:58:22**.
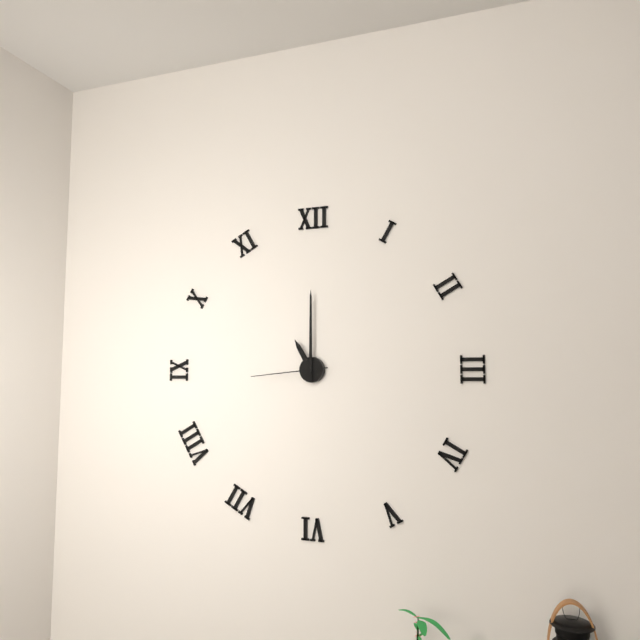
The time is **11:00:44**
